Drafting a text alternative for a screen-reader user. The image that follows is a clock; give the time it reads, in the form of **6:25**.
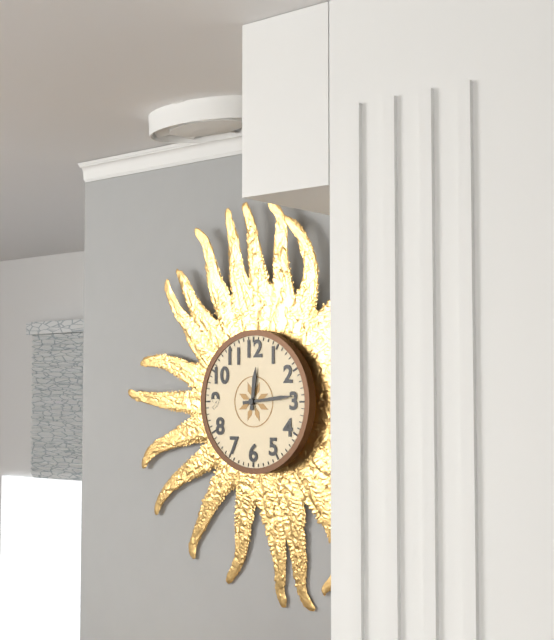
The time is **12:14**
